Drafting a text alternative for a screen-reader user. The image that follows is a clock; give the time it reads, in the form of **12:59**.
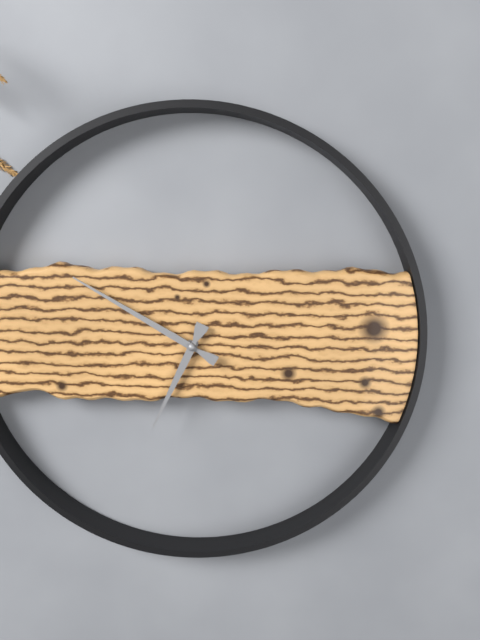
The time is **6:50**
